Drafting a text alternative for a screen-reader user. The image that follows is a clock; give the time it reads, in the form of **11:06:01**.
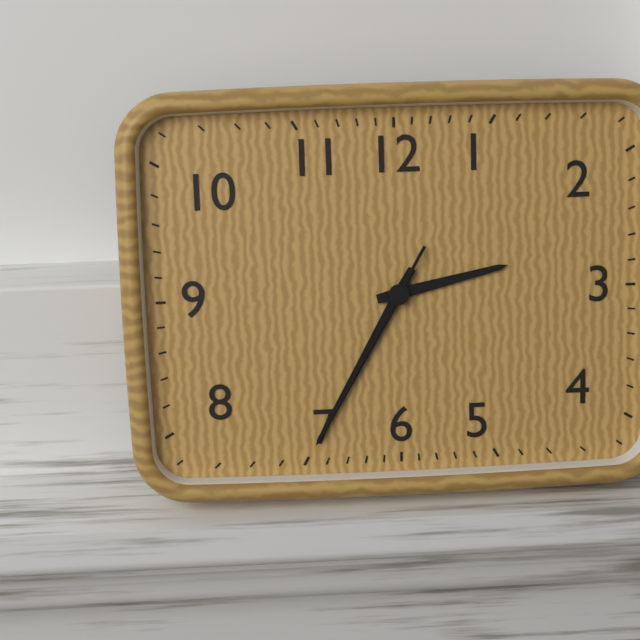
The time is **2:35:35**
